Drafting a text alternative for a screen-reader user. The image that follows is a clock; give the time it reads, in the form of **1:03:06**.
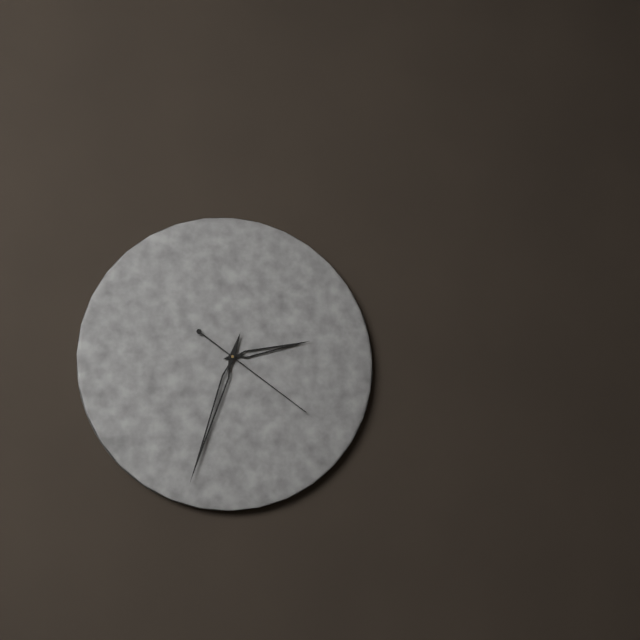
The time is **2:33:21**
